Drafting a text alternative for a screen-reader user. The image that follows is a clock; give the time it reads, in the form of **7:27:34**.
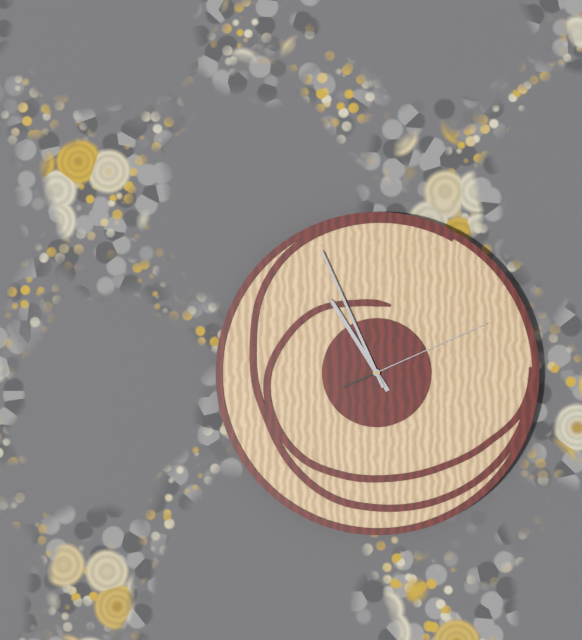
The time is **10:56:11**
